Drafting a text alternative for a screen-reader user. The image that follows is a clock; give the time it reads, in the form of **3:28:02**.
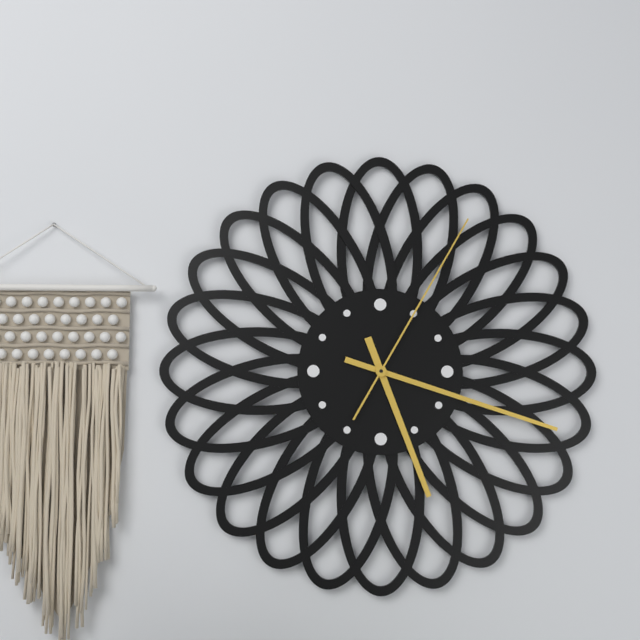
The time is **5:18:05**
